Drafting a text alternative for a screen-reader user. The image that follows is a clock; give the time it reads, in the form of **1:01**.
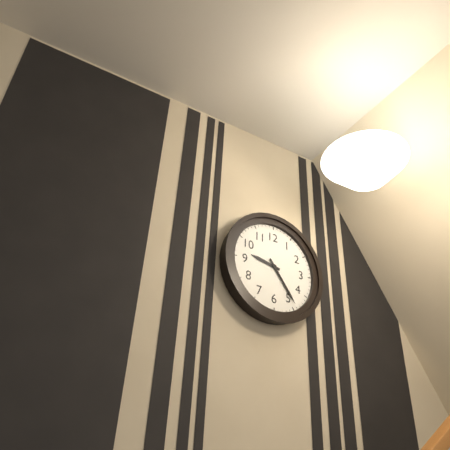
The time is **9:24**
